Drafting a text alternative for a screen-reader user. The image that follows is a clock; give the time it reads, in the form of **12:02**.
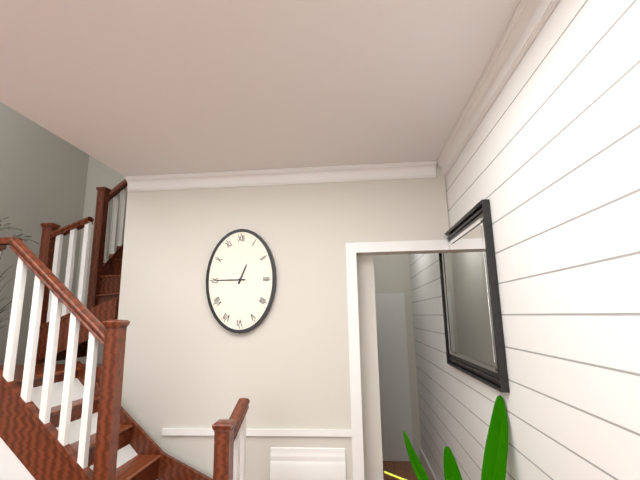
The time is **12:45**
